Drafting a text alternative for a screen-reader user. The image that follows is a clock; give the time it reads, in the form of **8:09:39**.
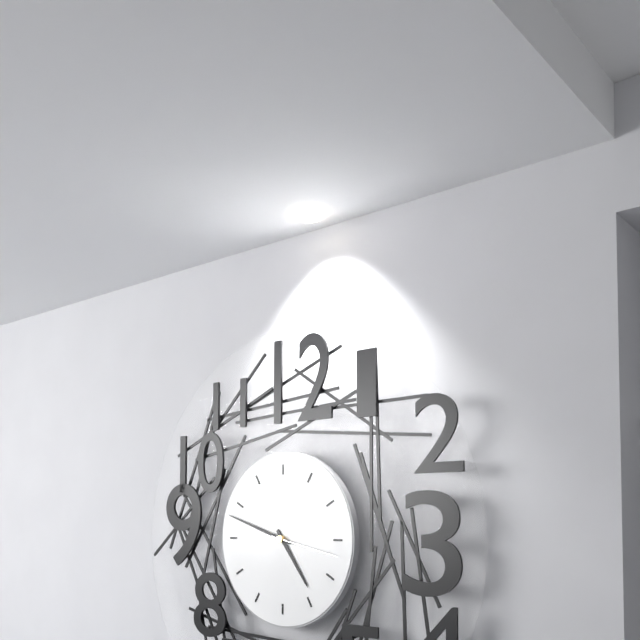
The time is **4:48:17**
